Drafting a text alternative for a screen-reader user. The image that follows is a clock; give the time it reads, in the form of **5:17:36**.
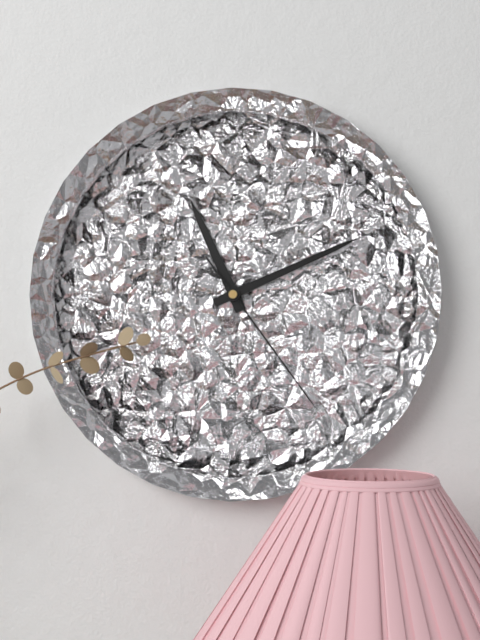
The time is **11:11:24**
